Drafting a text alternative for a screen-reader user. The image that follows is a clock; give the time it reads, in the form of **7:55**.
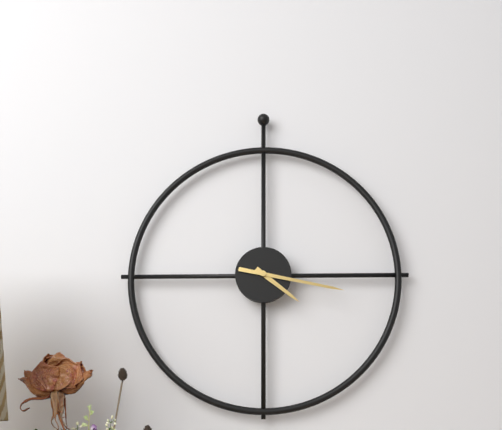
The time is **4:17**
